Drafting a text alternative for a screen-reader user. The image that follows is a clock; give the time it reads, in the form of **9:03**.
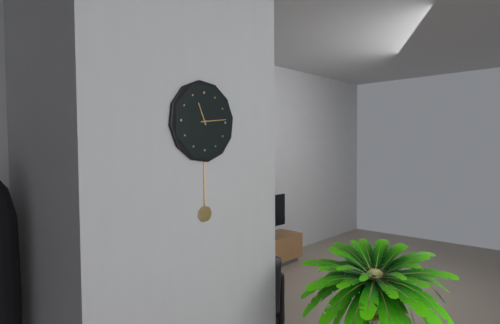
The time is **11:14**
